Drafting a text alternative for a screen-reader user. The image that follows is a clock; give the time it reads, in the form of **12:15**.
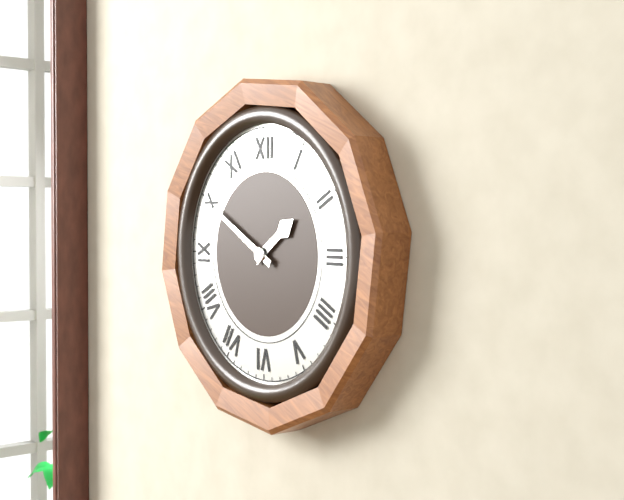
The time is **1:50**
